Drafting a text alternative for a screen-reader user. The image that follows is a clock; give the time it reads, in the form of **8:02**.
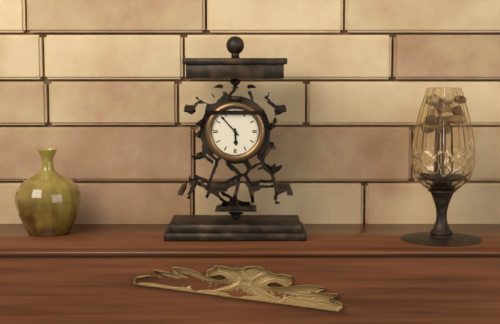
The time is **5:53**
